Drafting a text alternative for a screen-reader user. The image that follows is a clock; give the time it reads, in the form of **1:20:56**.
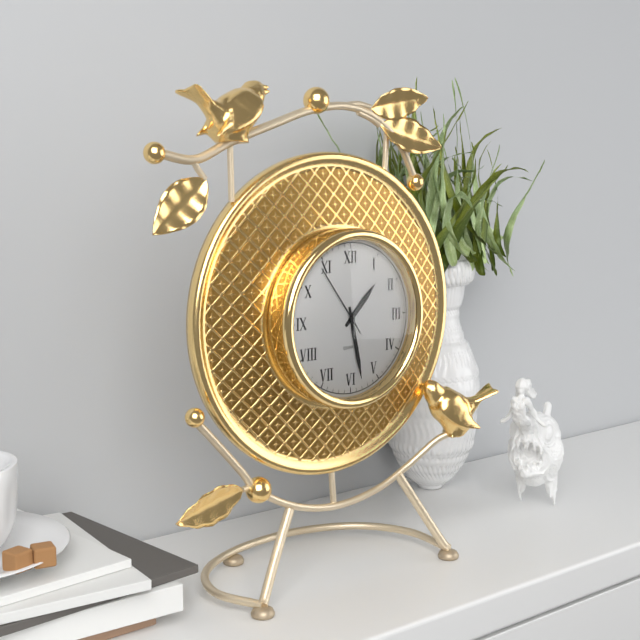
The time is **1:28:54**
